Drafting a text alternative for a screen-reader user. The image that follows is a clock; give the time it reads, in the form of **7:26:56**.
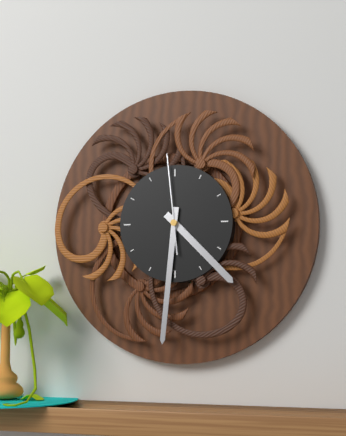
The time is **4:31:59**
